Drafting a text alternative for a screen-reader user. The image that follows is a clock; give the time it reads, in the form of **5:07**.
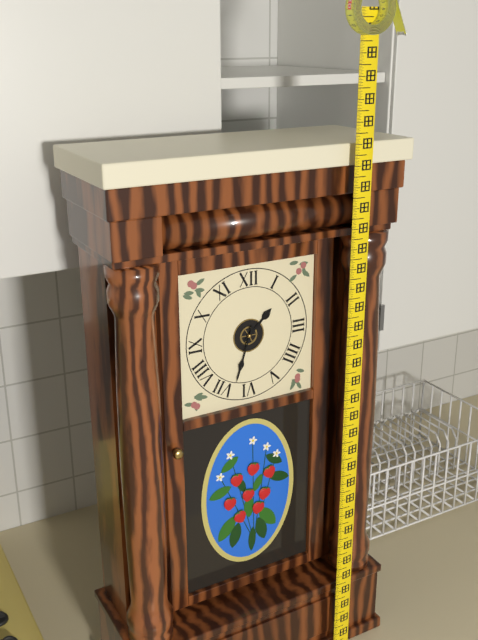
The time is **1:33**
